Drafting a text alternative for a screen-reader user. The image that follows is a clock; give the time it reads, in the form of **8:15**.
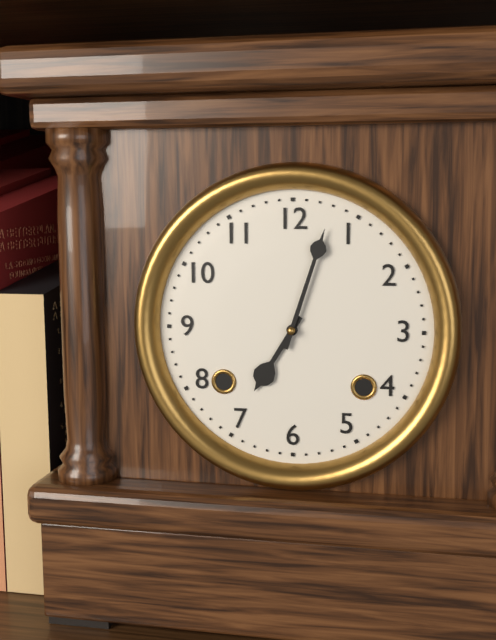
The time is **7:03**
